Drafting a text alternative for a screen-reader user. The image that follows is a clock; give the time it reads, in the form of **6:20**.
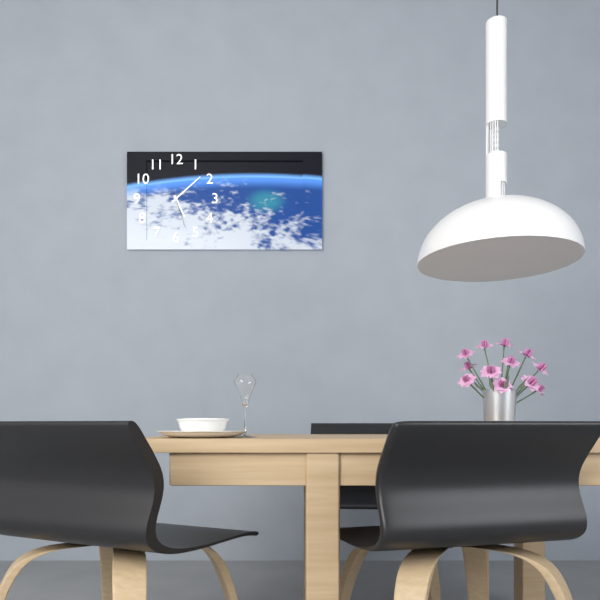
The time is **5:08**
